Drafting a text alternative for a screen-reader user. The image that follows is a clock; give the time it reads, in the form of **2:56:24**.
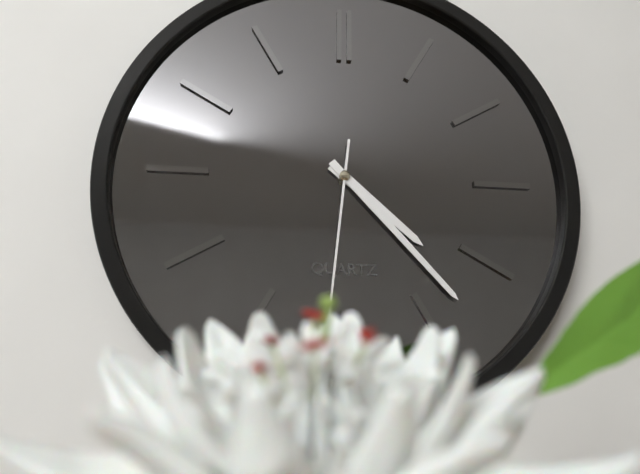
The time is **4:23:31**
